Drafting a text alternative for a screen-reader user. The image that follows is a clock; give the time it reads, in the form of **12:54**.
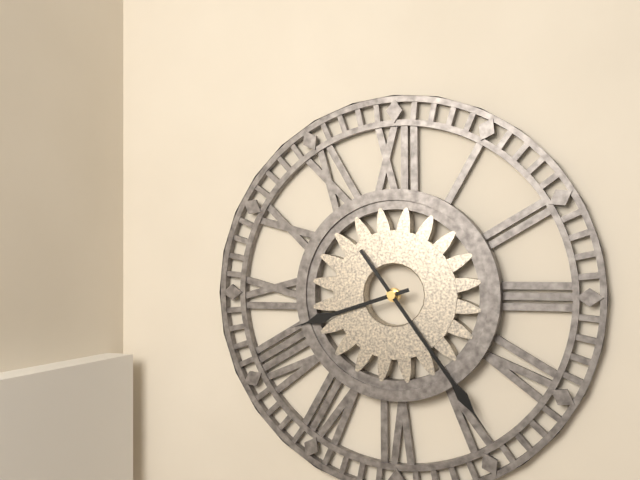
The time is **8:24**
